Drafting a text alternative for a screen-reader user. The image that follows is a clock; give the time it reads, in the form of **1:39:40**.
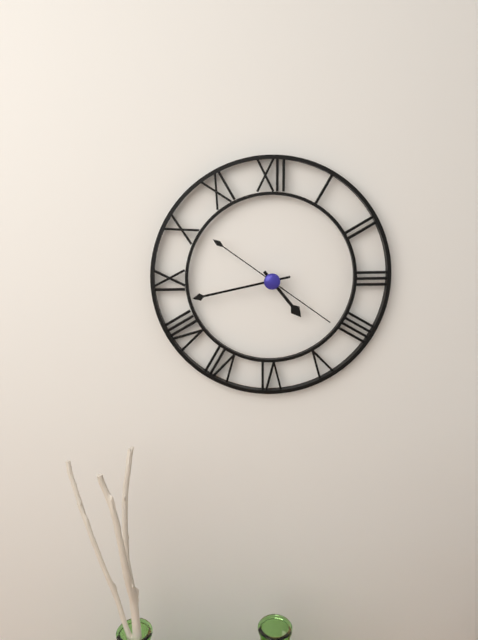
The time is **4:43:21**
